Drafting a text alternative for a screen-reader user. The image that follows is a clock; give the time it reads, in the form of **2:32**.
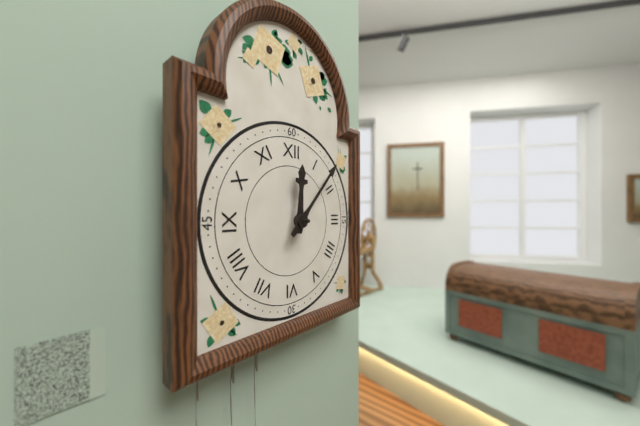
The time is **12:07**
